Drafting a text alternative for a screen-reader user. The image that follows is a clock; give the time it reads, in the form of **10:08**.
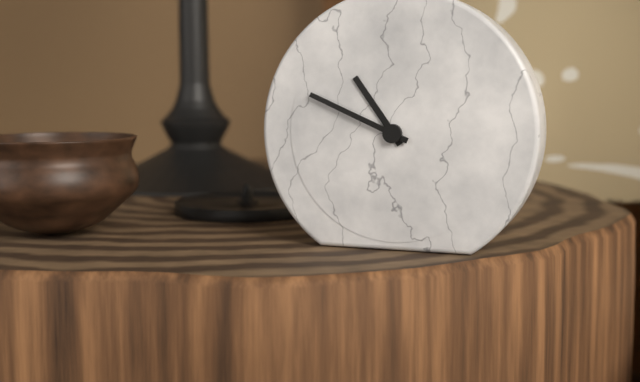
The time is **10:49**
